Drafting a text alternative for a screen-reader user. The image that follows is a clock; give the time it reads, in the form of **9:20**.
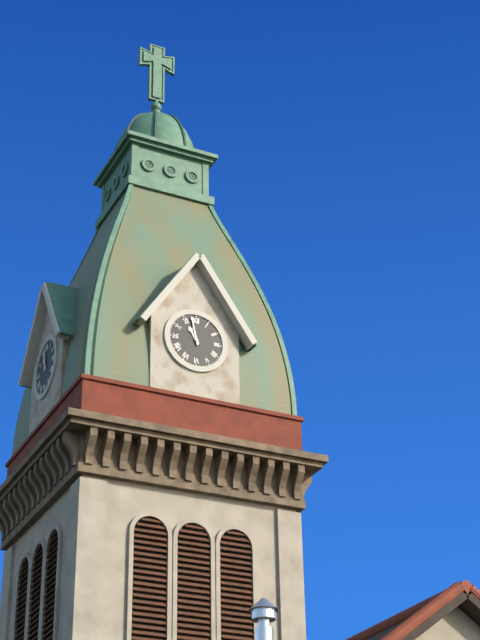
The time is **10:58**
